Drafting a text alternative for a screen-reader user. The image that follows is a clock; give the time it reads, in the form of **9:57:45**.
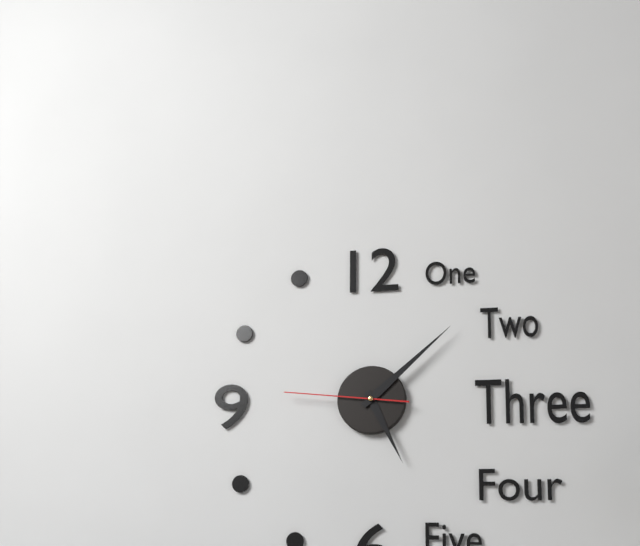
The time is **5:08:46**
